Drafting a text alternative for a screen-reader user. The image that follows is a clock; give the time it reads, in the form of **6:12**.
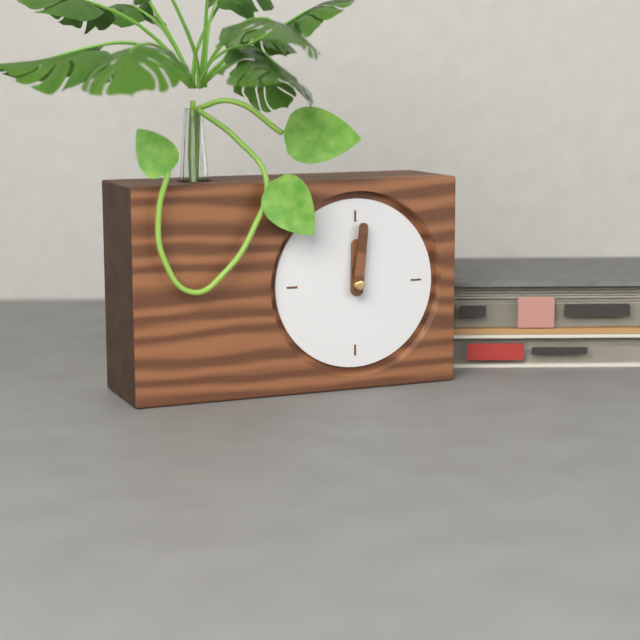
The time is **12:01**
